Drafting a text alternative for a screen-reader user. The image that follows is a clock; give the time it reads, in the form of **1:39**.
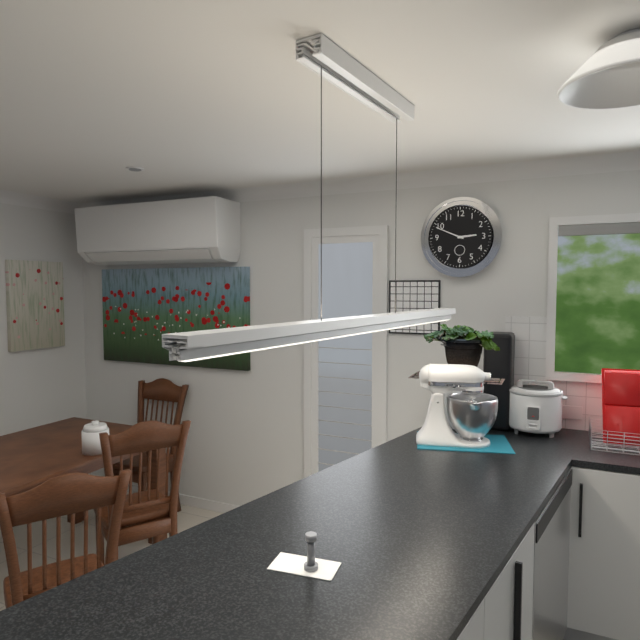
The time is **2:49**
